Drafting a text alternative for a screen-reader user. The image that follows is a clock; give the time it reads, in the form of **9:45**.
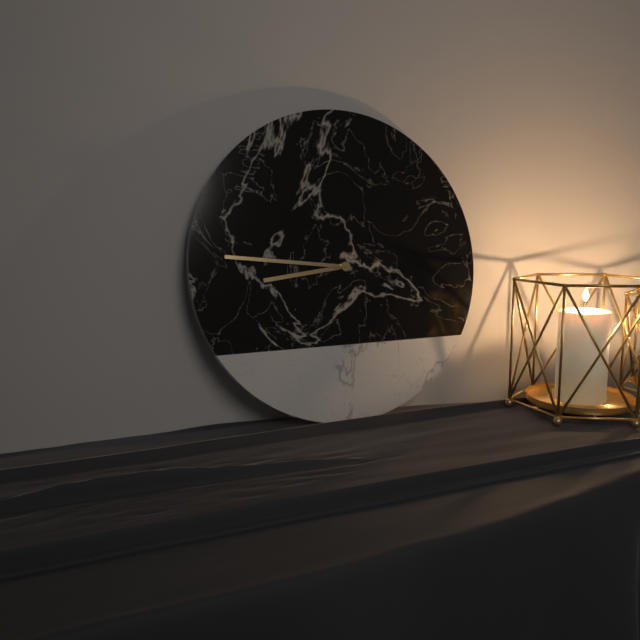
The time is **8:46**
